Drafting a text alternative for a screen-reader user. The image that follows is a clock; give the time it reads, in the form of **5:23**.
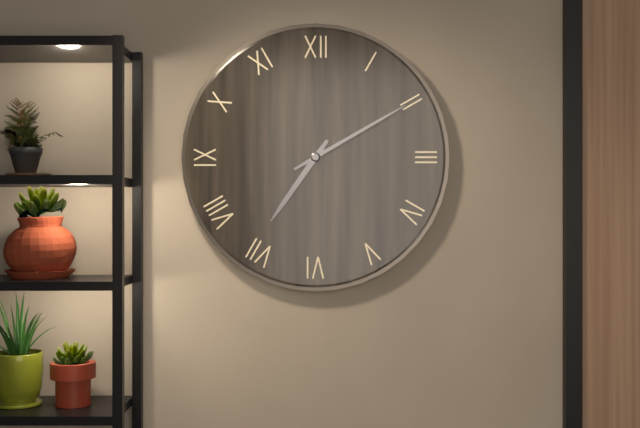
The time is **7:10**
